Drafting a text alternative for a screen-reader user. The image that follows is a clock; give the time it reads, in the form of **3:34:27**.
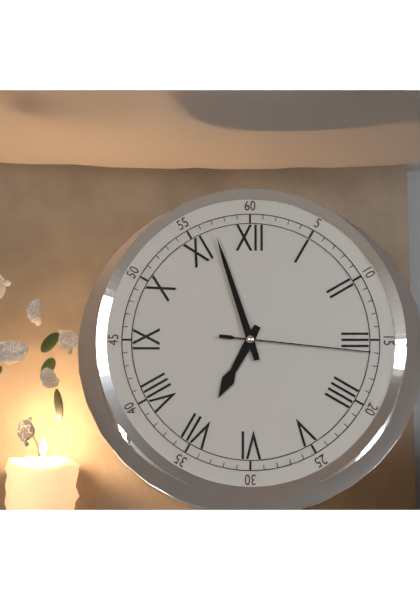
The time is **6:57:16**
